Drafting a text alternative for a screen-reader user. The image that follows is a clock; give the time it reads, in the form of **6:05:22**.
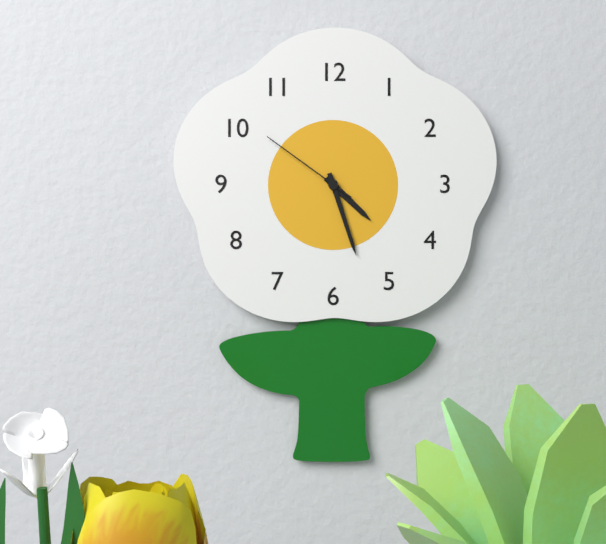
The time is **4:27:51**
